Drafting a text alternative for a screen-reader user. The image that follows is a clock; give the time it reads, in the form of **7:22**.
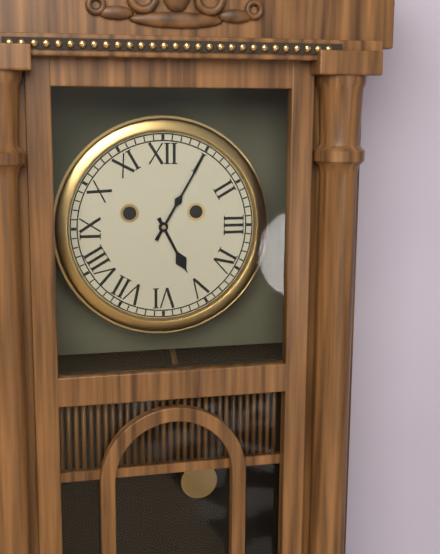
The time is **5:05**
